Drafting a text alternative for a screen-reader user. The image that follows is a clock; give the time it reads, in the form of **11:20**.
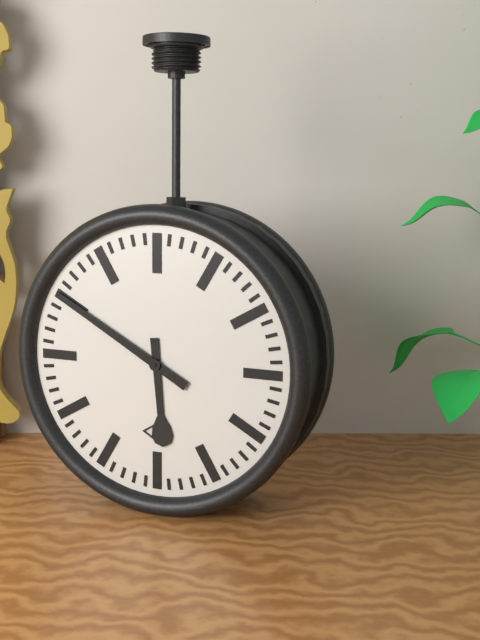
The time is **5:50**
